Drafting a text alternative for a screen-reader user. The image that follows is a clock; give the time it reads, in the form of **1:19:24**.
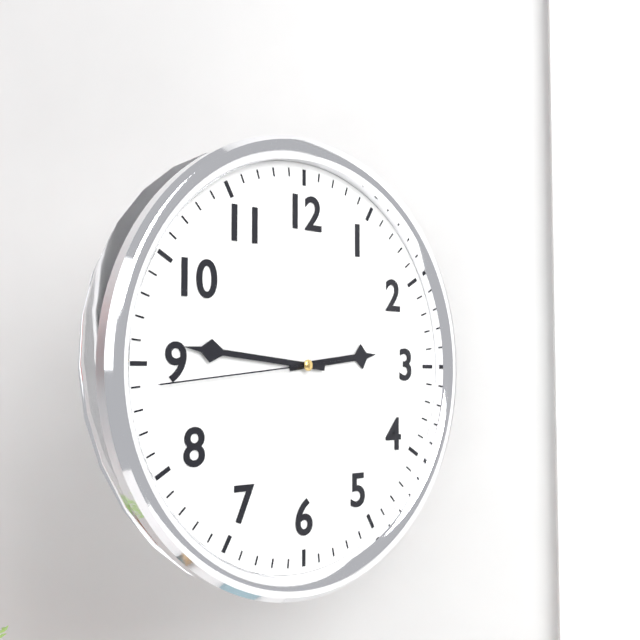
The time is **2:46:44**
